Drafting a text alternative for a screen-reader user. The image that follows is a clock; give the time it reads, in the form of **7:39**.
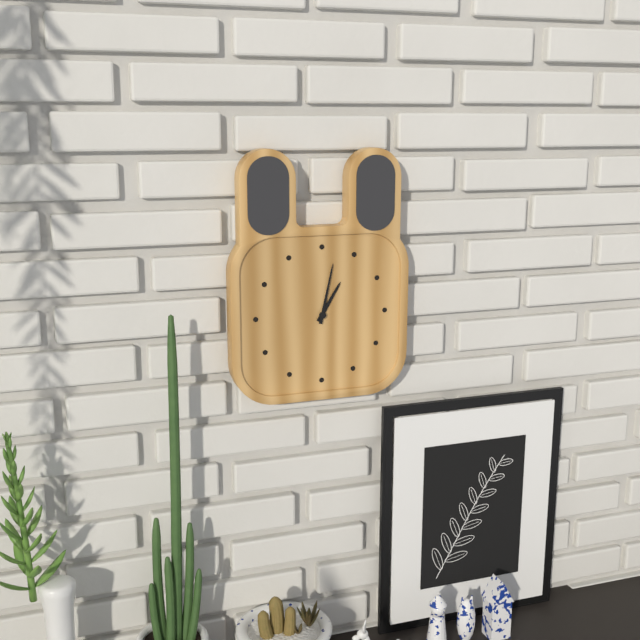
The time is **1:02**
